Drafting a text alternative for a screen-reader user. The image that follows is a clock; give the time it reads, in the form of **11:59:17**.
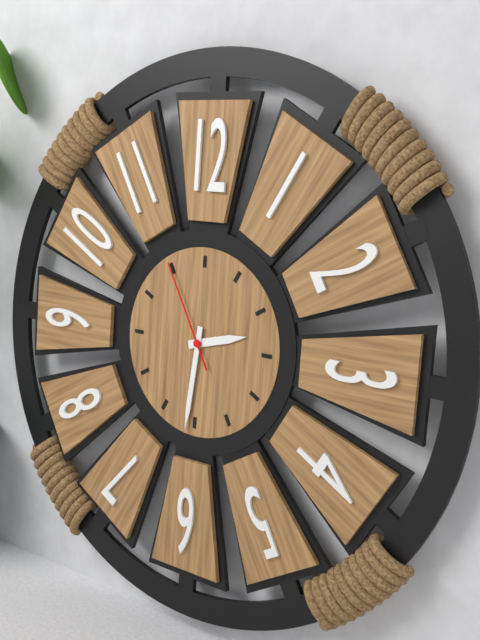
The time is **2:31:55**
